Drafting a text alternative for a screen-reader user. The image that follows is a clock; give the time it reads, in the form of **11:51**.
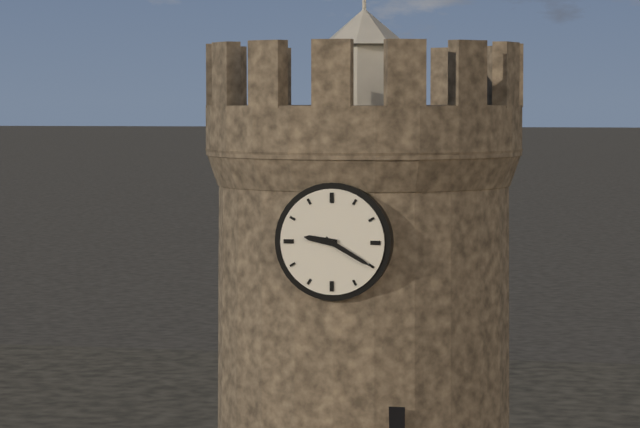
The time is **9:20**
